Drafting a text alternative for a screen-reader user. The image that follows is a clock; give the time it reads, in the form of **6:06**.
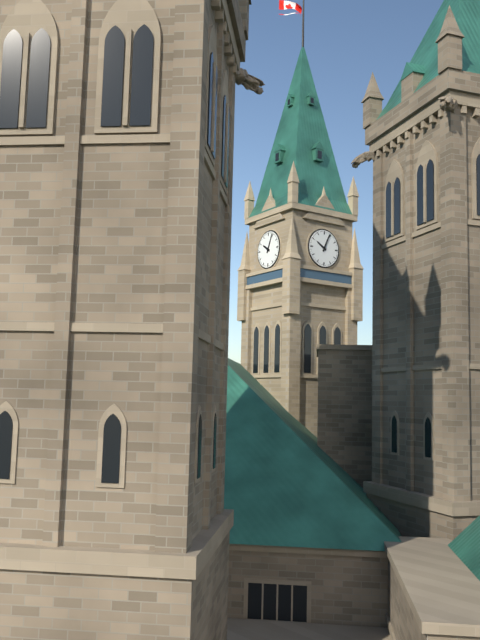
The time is **10:04**
